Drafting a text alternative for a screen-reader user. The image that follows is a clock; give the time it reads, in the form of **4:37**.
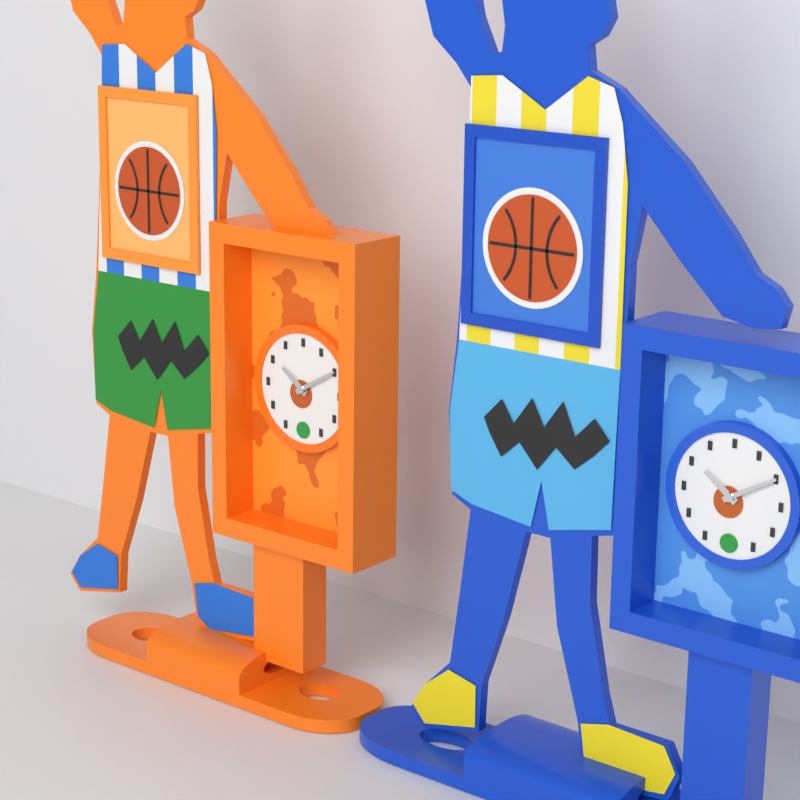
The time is **10:10**
